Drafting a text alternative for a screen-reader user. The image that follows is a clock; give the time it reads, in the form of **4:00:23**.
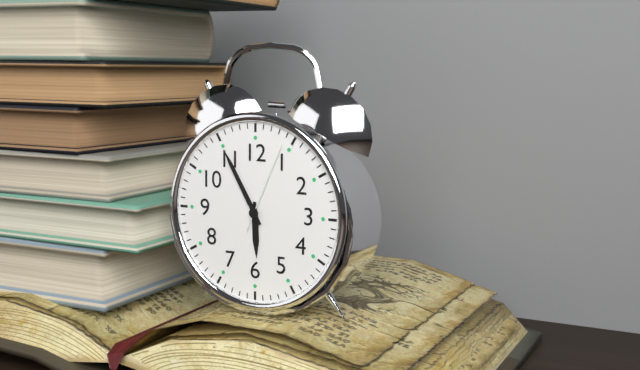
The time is **5:55:04**
